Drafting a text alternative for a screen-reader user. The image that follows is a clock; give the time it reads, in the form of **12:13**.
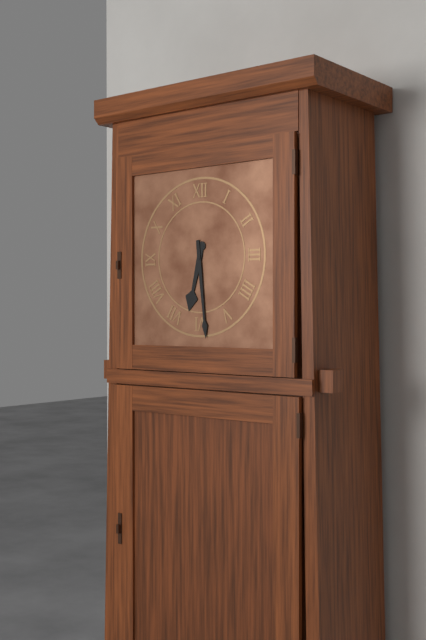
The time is **6:29**
